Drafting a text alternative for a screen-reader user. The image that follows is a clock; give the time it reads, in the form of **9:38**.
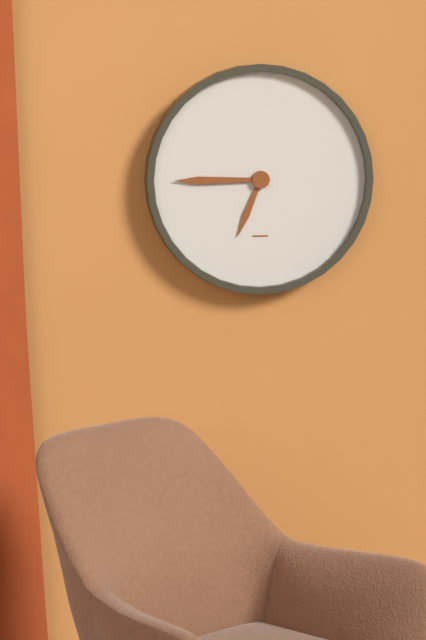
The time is **6:45**
